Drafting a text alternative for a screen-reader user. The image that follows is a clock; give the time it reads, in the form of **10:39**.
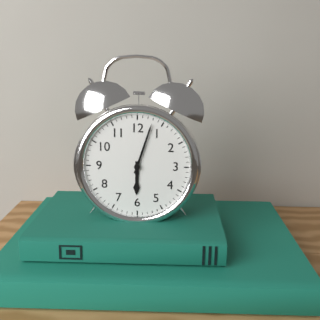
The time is **6:03**
